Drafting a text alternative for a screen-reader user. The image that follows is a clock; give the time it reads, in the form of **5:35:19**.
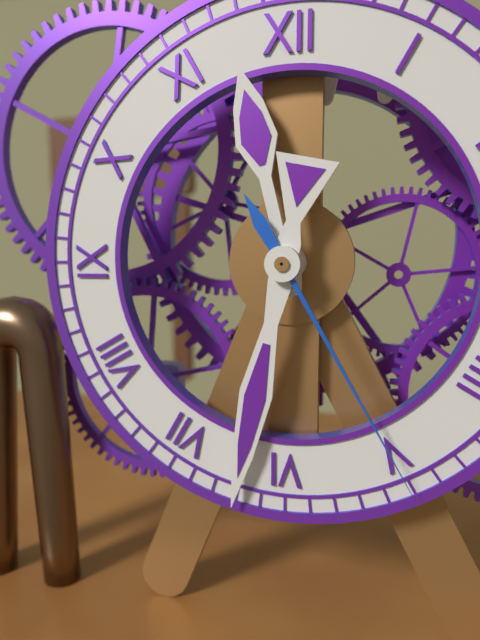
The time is **11:32:25**
